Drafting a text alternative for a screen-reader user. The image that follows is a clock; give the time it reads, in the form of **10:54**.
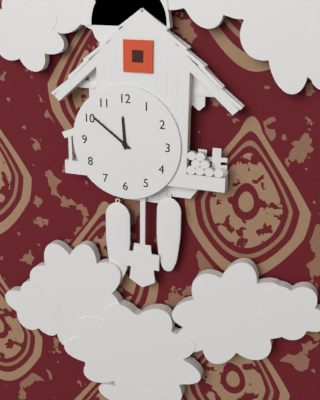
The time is **11:51**
